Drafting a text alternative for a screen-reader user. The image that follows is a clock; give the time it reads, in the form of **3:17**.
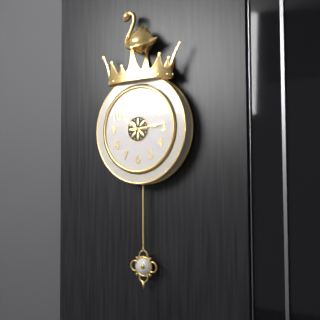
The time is **10:14**
